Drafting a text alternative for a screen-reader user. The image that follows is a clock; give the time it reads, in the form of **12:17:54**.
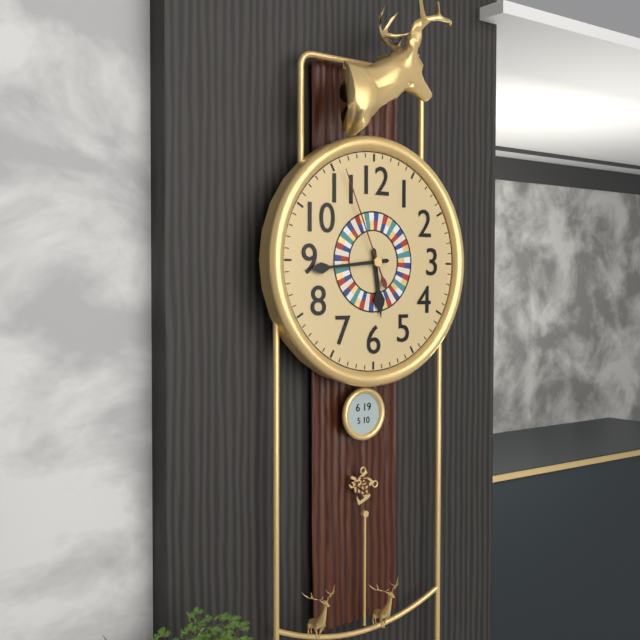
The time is **5:44:56**
